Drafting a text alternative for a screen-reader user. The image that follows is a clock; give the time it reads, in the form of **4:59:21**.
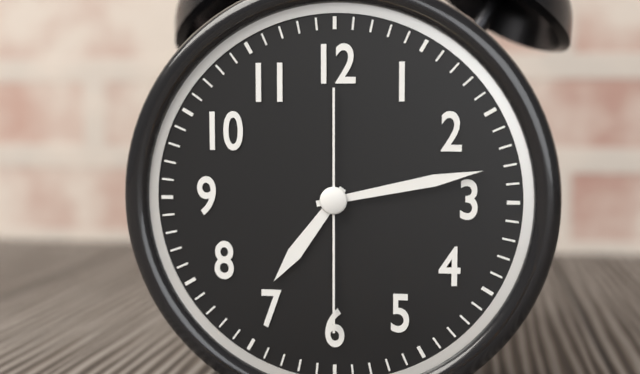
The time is **7:13:30**
